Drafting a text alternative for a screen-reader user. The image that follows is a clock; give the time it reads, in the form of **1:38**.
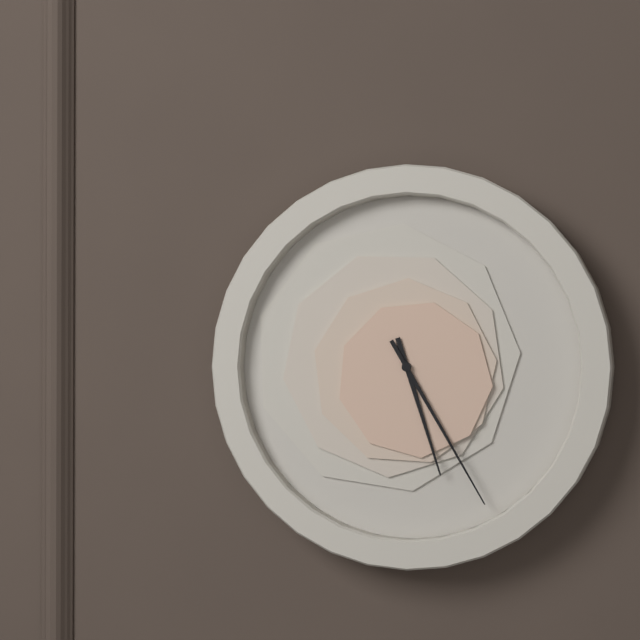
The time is **5:25**
